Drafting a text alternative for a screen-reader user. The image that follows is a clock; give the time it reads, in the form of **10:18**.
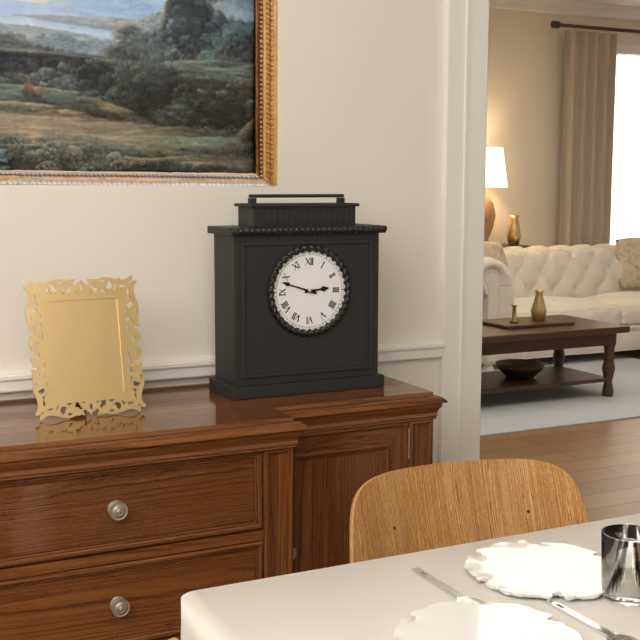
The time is **2:48**
